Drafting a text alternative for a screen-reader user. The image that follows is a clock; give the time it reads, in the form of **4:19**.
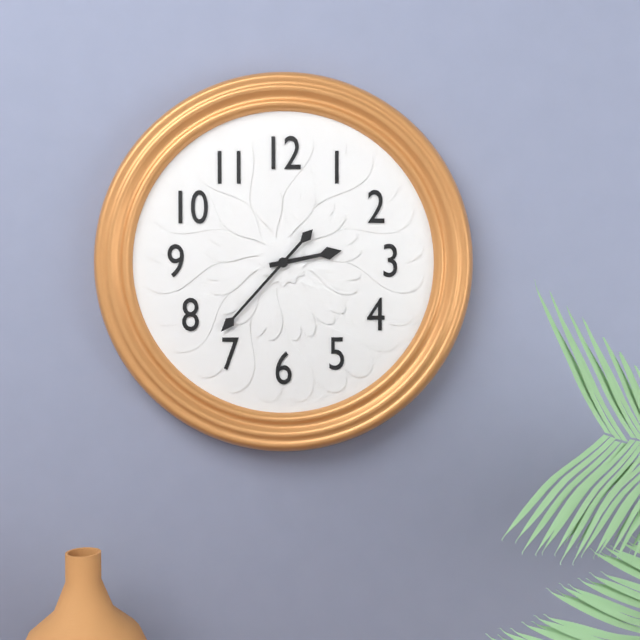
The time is **2:37**
